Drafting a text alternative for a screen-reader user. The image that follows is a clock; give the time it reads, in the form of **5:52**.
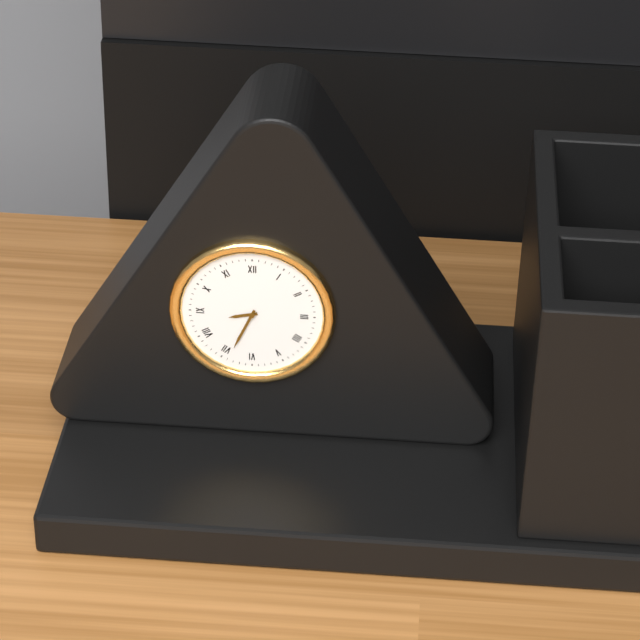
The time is **8:34**
